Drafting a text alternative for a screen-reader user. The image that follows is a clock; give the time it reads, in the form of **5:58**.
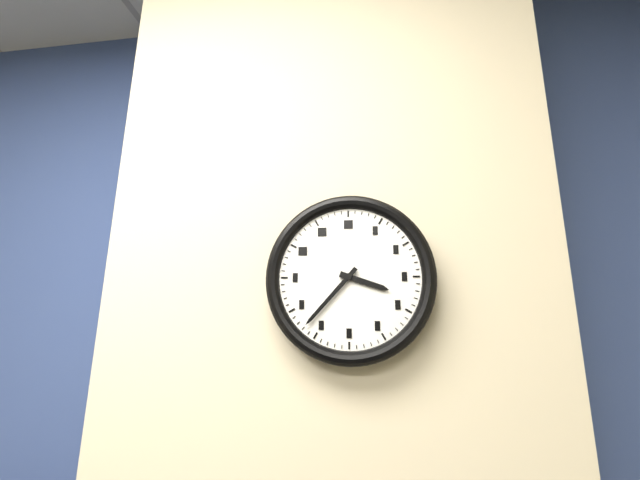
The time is **3:37**
